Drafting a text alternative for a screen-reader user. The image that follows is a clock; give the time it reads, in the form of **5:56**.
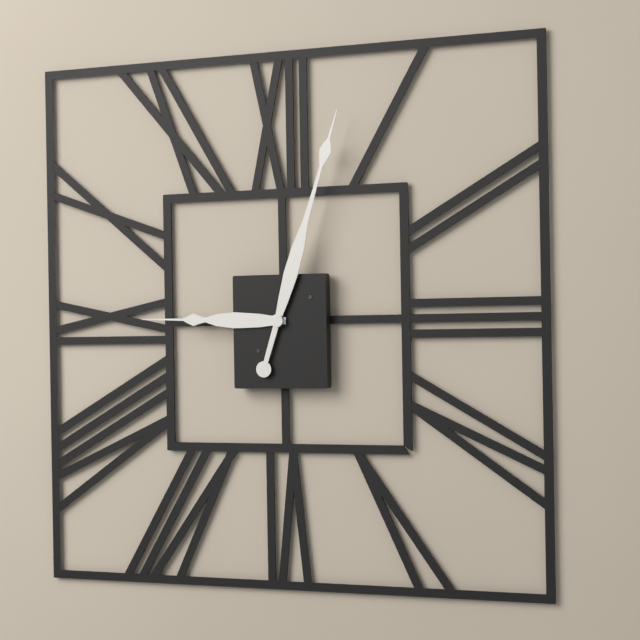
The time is **9:03**
